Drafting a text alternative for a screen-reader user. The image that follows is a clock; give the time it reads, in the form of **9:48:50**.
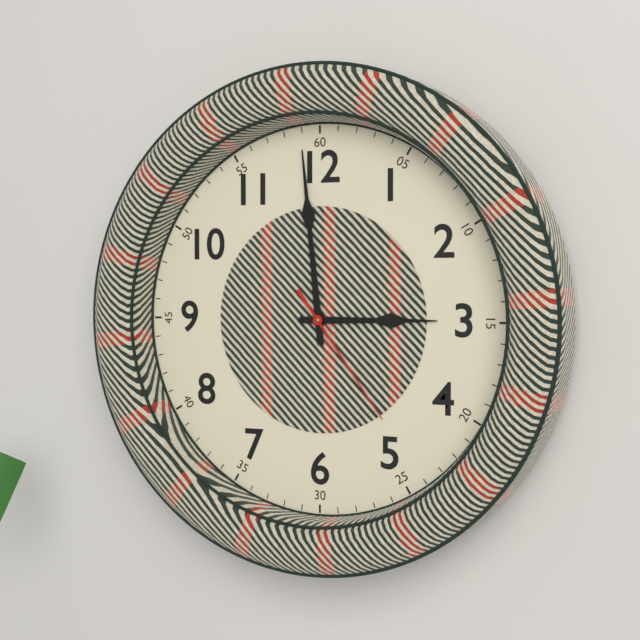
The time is **2:59:24**
